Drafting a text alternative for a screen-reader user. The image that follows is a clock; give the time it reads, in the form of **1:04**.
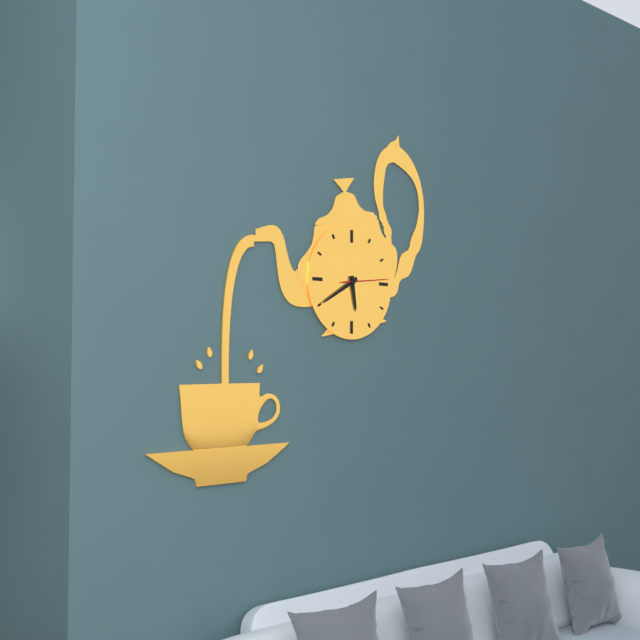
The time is **5:40**
